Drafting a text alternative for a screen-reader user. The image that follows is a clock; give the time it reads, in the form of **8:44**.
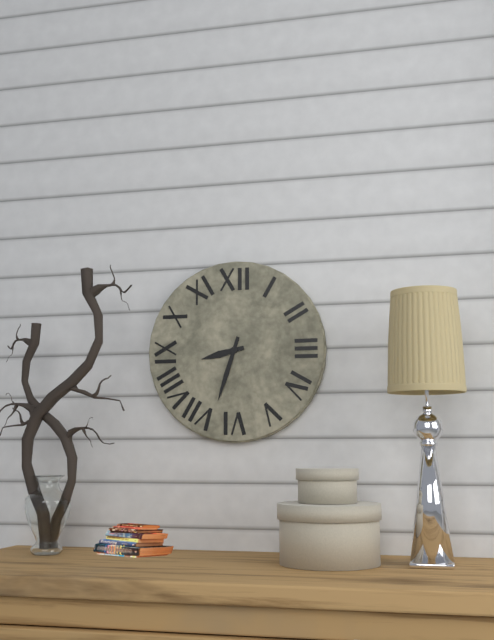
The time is **8:33**
